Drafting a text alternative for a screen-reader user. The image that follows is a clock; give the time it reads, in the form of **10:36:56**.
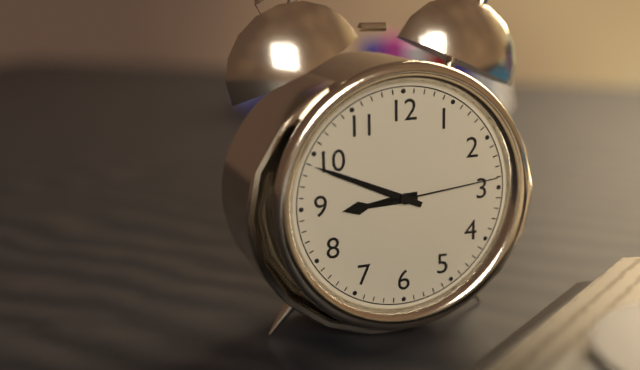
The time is **8:49:14**
